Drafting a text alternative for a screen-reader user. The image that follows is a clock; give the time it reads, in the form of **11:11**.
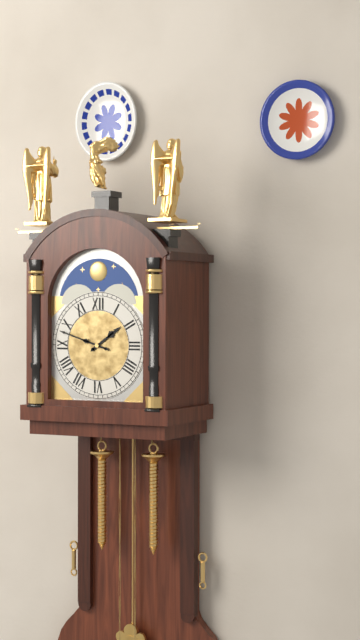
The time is **1:48**
